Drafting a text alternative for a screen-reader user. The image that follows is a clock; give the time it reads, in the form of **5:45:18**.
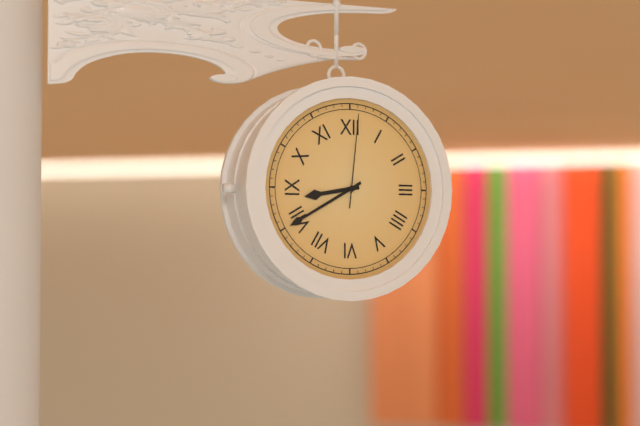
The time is **8:40:01**
